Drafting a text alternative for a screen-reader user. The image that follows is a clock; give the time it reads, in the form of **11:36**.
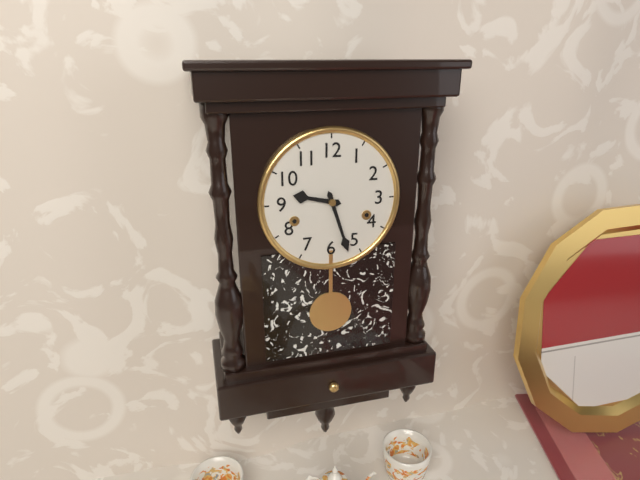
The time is **9:27**
